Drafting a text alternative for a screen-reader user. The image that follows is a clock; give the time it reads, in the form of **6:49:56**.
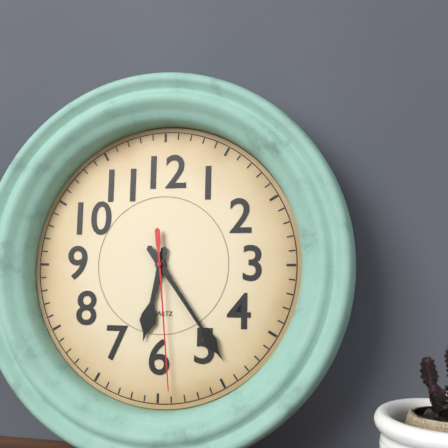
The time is **6:24:29**
